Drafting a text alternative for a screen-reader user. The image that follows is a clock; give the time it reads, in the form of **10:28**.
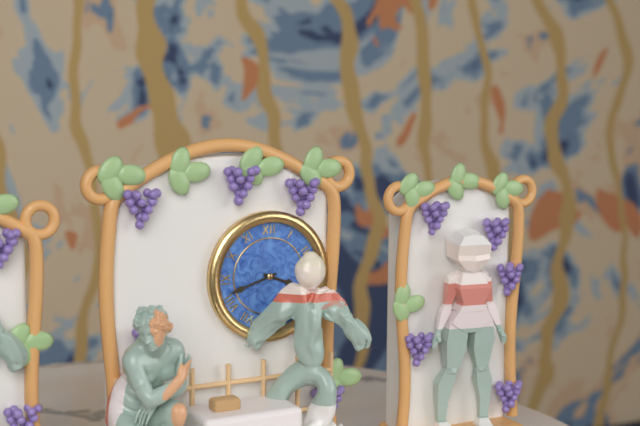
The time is **3:42**
